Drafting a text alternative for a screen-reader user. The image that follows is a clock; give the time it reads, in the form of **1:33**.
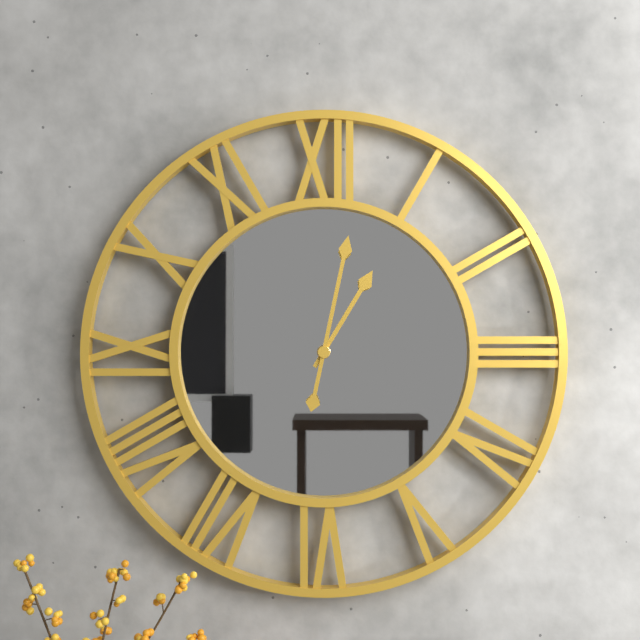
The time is **1:02**
